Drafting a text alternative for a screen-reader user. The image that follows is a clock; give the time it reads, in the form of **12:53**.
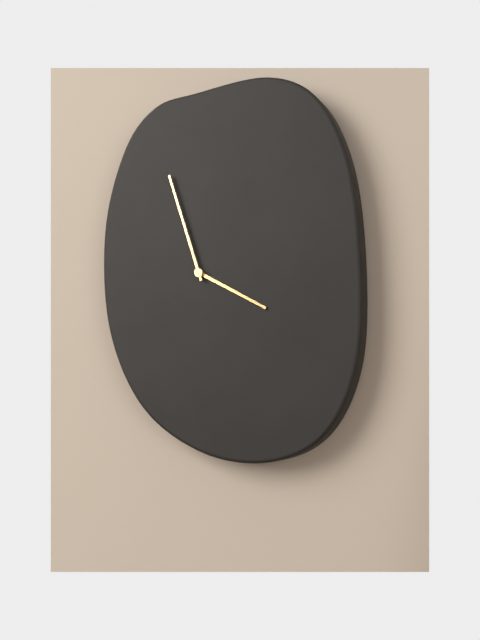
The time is **3:57**
